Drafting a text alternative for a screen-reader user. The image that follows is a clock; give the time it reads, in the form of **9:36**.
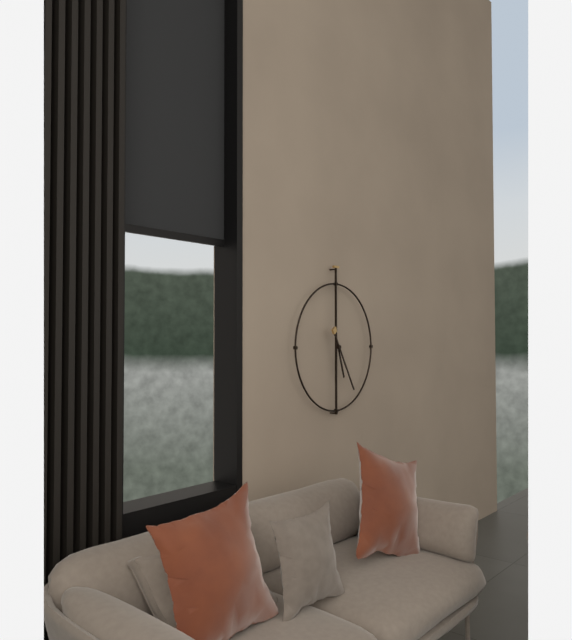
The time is **5:25**
